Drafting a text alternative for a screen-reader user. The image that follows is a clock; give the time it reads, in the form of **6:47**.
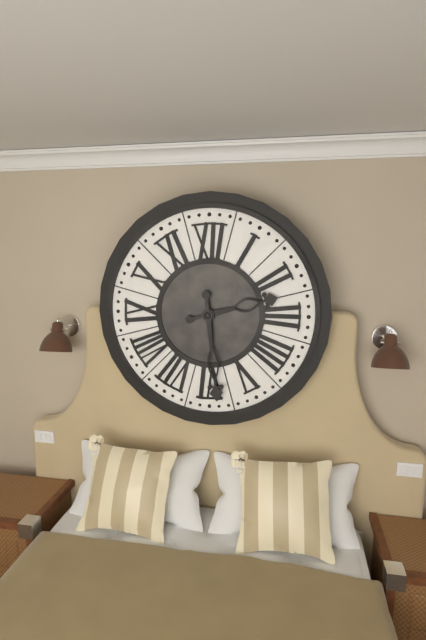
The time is **2:29**
